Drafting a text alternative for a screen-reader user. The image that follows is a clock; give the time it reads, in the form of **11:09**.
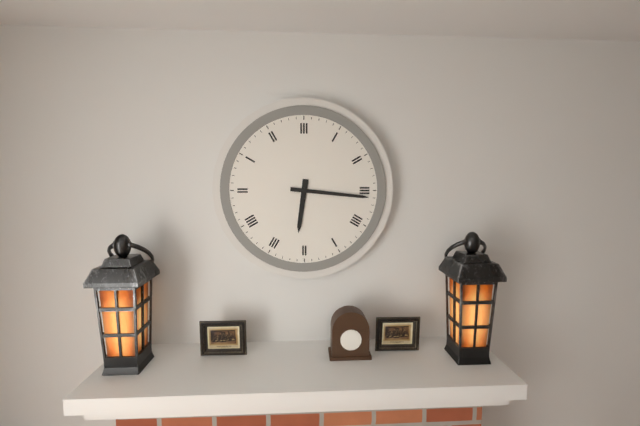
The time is **6:16**
